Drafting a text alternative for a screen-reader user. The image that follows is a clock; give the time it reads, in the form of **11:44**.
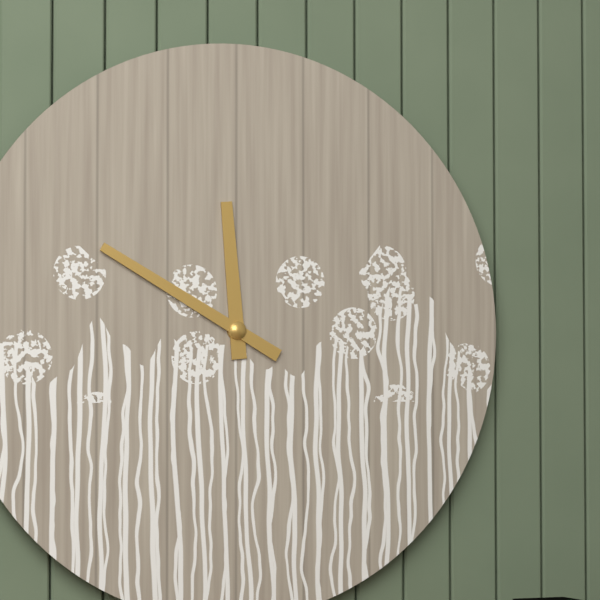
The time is **11:50**
